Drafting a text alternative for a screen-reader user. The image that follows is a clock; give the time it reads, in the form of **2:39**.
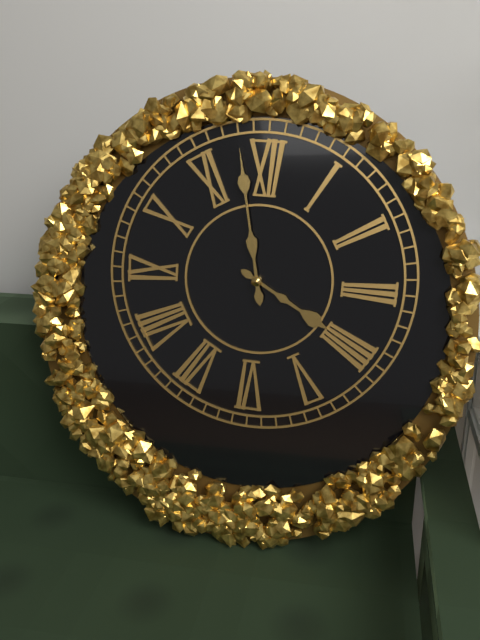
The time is **3:58**
